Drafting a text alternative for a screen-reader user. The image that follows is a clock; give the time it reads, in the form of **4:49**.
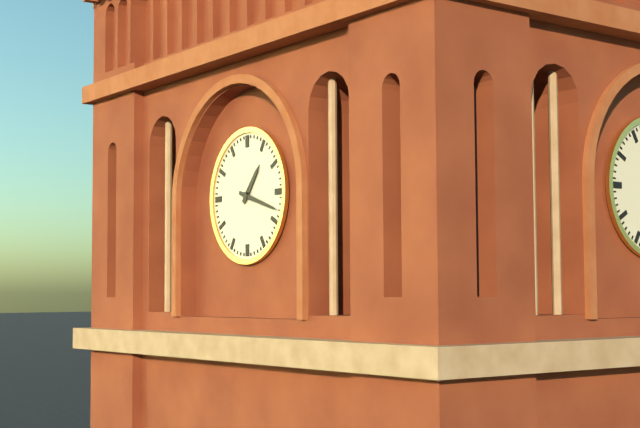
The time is **1:18**
